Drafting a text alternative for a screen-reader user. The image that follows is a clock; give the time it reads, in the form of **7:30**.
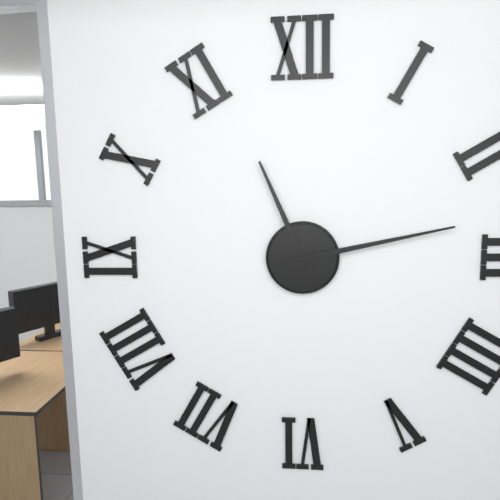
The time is **11:13**
